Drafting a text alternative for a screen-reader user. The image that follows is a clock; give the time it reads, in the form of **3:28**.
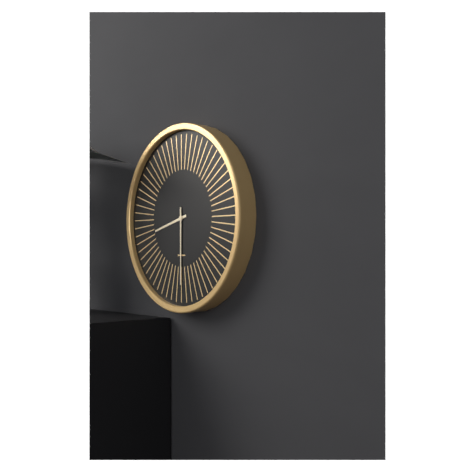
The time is **8:30**
